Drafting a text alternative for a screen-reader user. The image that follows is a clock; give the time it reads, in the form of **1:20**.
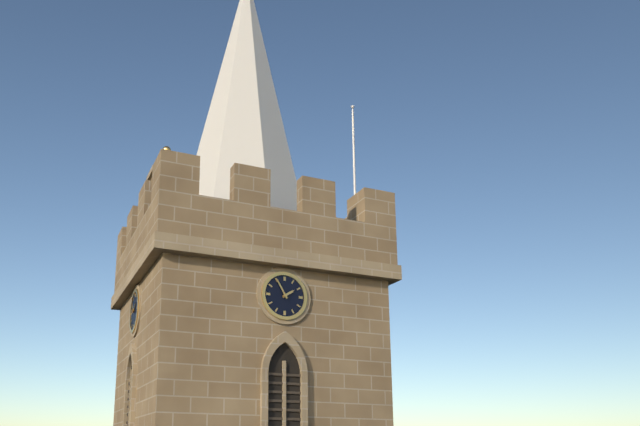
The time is **1:55**
